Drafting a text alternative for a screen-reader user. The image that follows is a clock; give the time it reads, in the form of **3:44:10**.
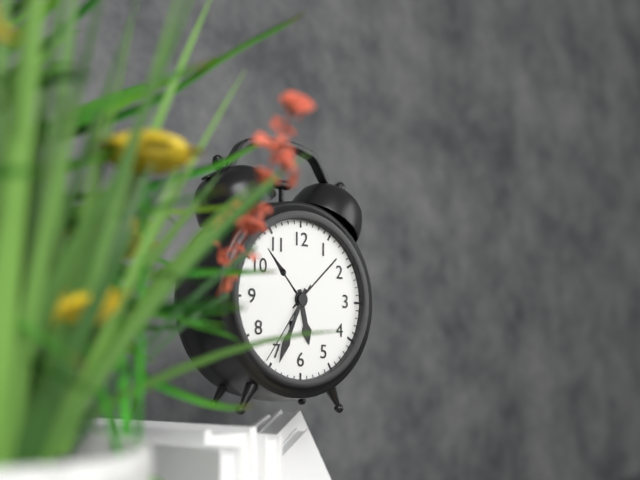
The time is **5:34:36**
